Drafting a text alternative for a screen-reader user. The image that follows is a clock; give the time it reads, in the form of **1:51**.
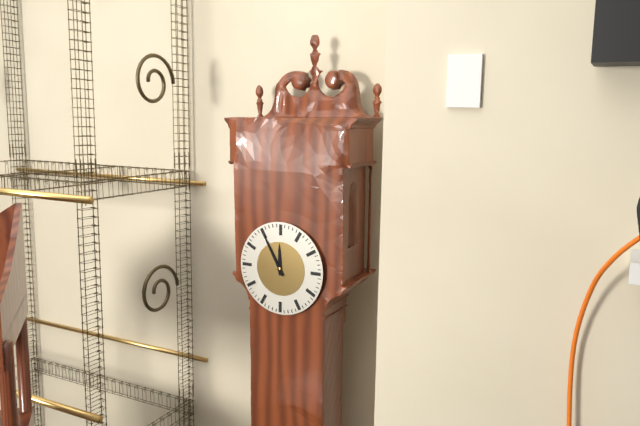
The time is **11:55**
